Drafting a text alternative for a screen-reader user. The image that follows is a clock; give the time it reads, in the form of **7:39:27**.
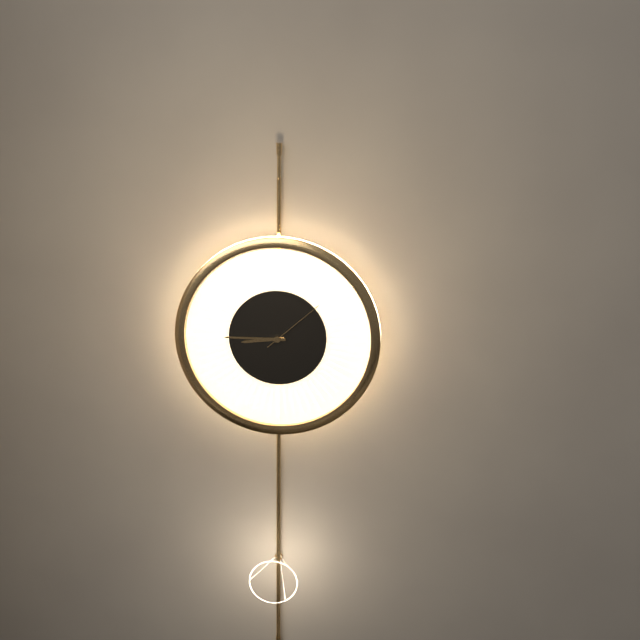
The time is **8:45:08**
